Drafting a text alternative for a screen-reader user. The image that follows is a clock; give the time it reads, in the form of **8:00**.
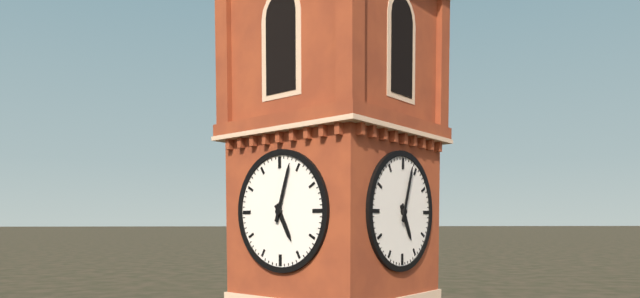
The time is **5:03**
